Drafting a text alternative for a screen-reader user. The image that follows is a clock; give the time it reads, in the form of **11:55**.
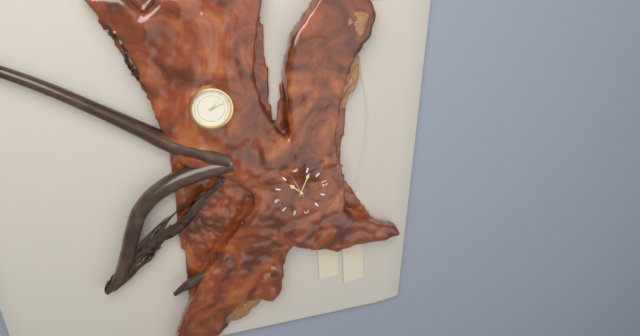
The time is **7:51**
